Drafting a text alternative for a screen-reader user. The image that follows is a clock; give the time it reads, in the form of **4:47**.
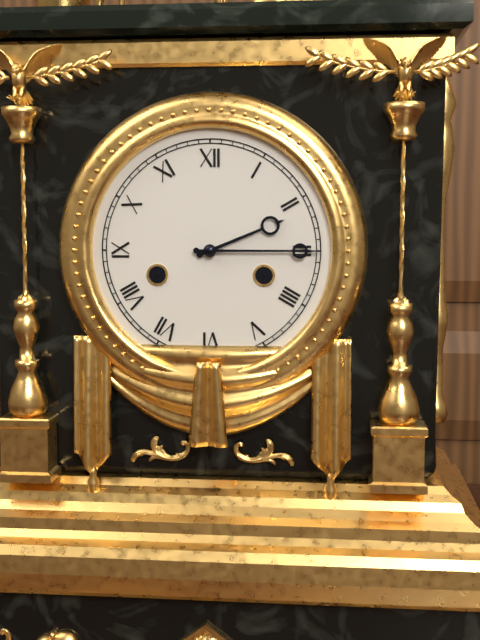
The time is **2:15**
